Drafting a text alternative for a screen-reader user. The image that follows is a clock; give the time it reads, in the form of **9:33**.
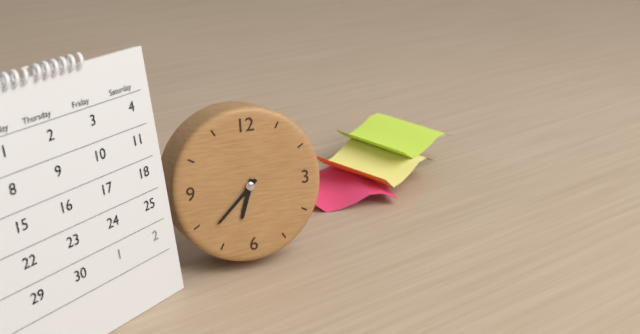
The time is **6:38**
